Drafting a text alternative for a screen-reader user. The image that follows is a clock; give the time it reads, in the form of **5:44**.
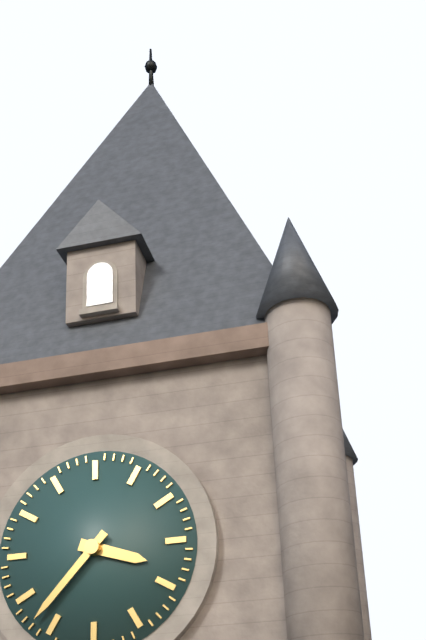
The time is **3:37**
